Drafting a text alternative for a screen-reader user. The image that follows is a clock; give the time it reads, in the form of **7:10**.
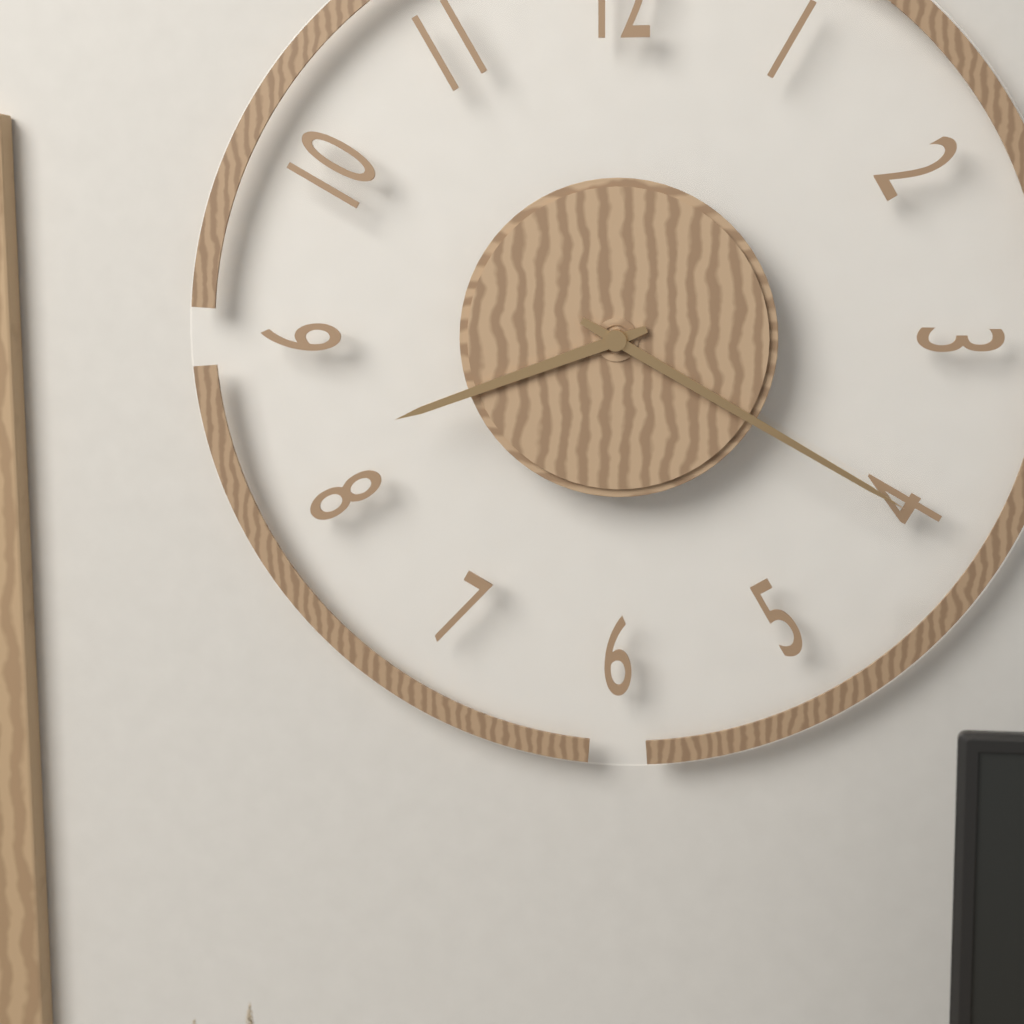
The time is **8:20**
